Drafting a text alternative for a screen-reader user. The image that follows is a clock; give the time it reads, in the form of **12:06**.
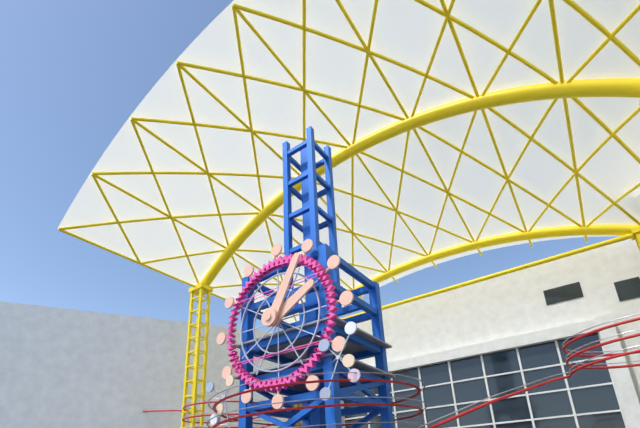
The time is **2:05**
